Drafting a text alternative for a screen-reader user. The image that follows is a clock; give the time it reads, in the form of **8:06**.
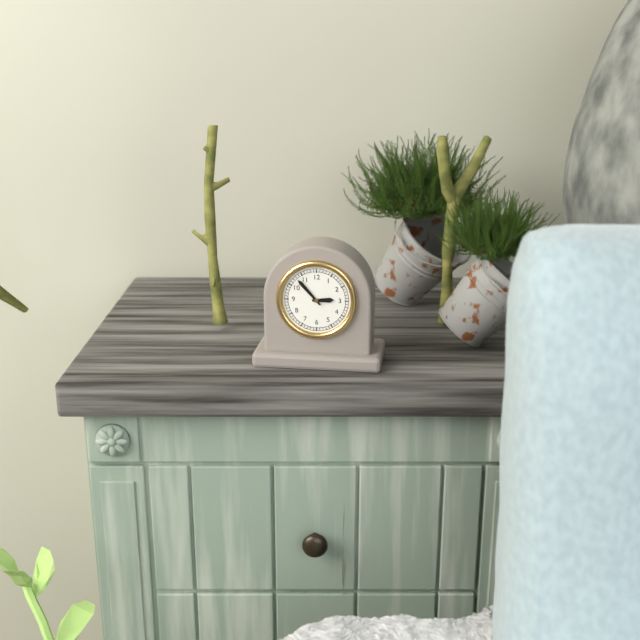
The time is **2:53**
